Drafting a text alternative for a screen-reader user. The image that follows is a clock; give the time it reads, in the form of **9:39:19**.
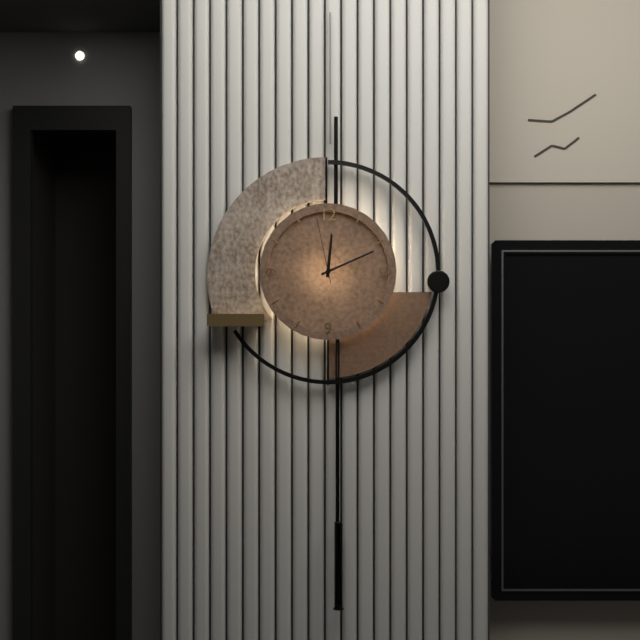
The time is **12:11:58**
